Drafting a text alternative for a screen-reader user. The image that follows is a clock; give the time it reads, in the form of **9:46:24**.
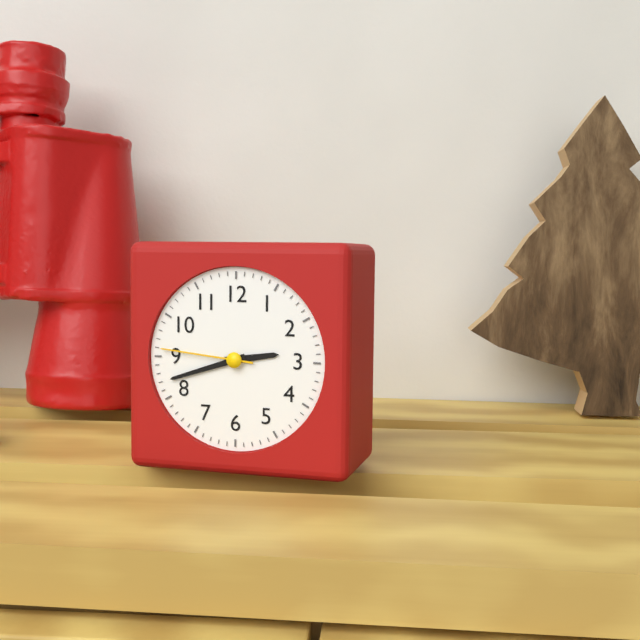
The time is **2:42:46**
